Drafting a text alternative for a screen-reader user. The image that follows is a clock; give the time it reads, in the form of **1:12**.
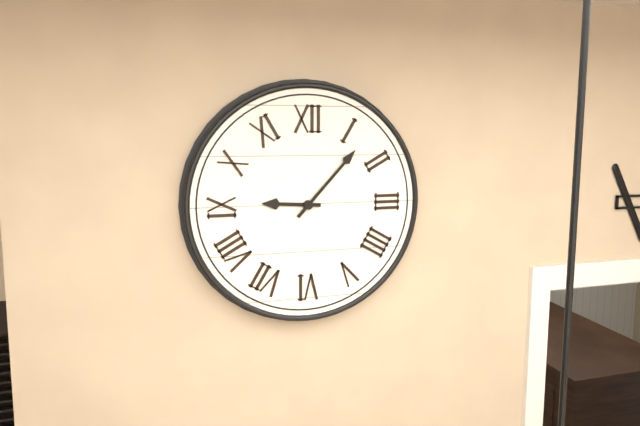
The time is **9:07**
